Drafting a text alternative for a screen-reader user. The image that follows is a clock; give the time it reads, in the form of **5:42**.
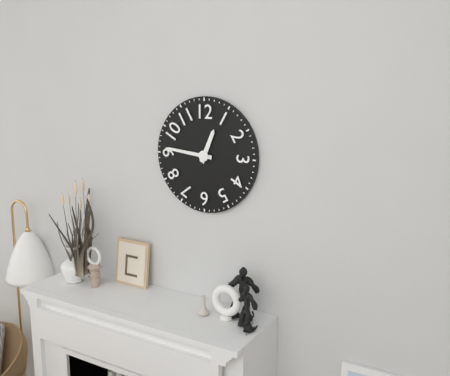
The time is **12:46**
